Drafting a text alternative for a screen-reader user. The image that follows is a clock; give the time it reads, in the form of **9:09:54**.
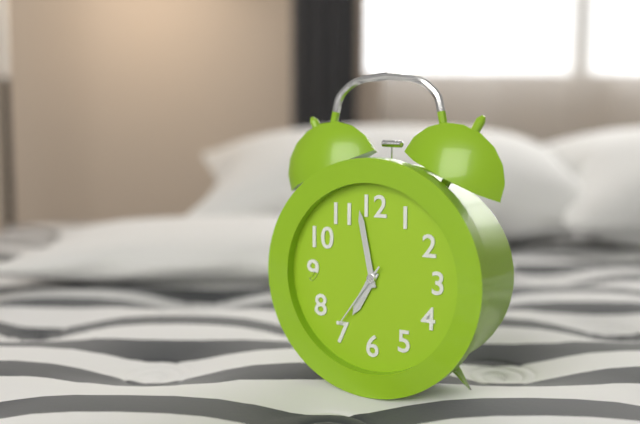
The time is **6:58:36**
